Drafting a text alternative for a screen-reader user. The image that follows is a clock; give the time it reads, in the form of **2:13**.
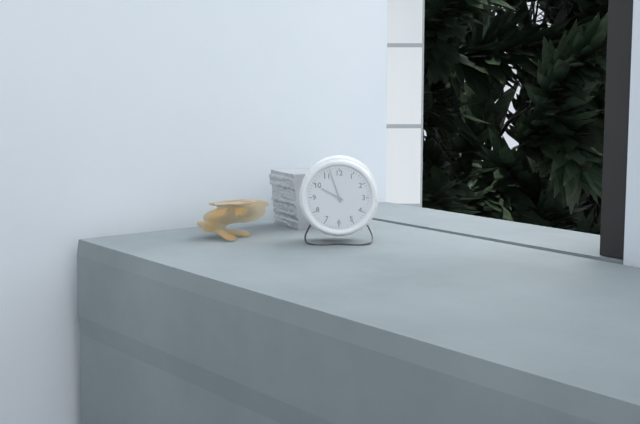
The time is **9:57**
